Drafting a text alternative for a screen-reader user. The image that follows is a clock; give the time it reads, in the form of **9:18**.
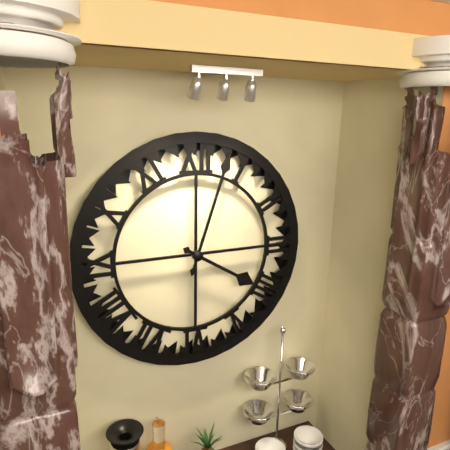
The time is **4:03**
